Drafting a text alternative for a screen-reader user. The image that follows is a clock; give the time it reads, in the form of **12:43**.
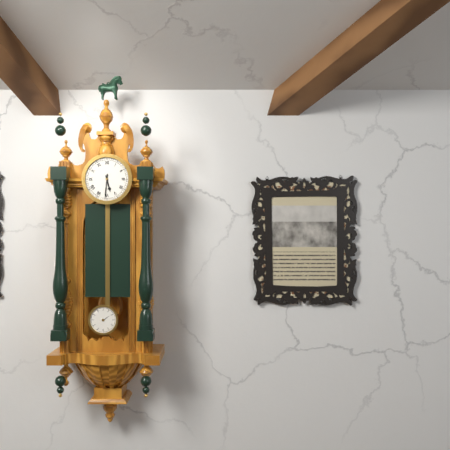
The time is **5:31**
